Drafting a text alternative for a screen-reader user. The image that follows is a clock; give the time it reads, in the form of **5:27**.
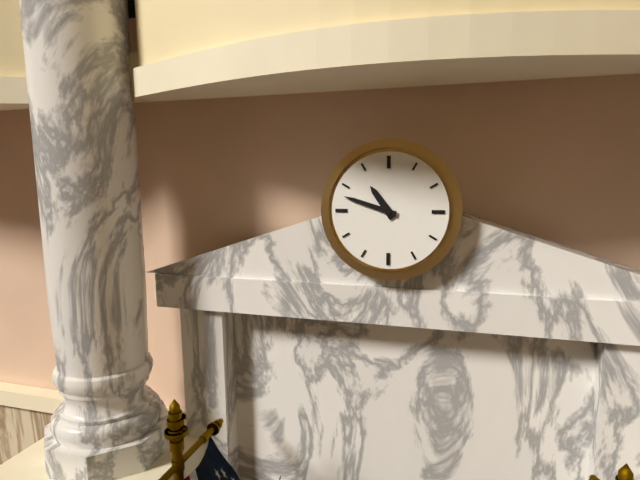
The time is **10:48**
